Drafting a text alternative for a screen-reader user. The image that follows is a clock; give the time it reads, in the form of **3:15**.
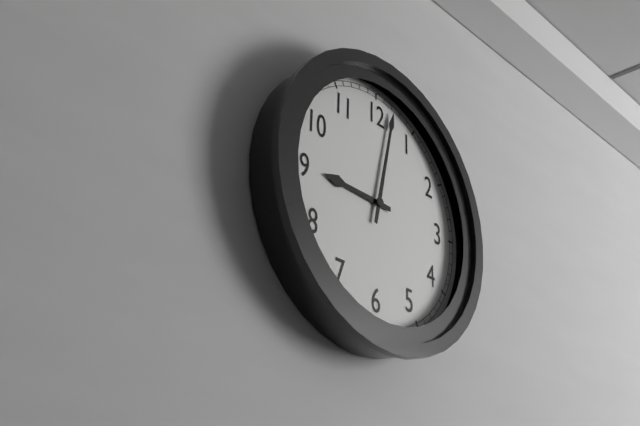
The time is **9:02**
